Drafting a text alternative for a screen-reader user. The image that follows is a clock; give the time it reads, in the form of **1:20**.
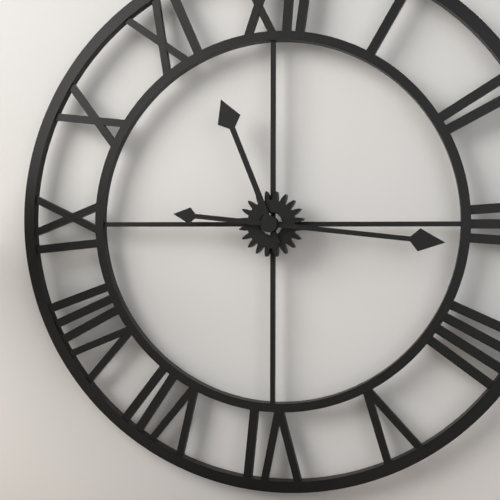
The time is **11:16**
